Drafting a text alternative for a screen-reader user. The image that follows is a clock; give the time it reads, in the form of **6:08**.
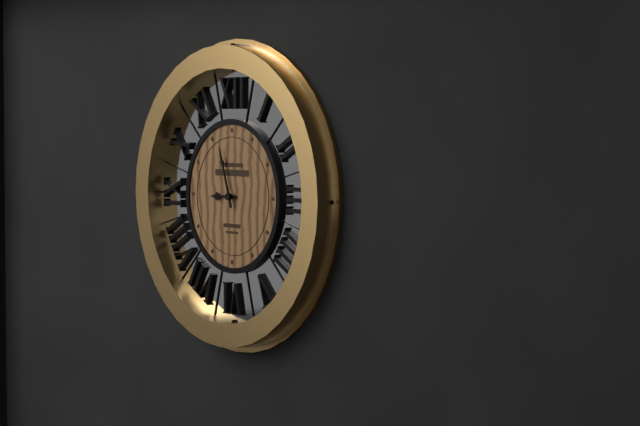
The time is **8:57**
